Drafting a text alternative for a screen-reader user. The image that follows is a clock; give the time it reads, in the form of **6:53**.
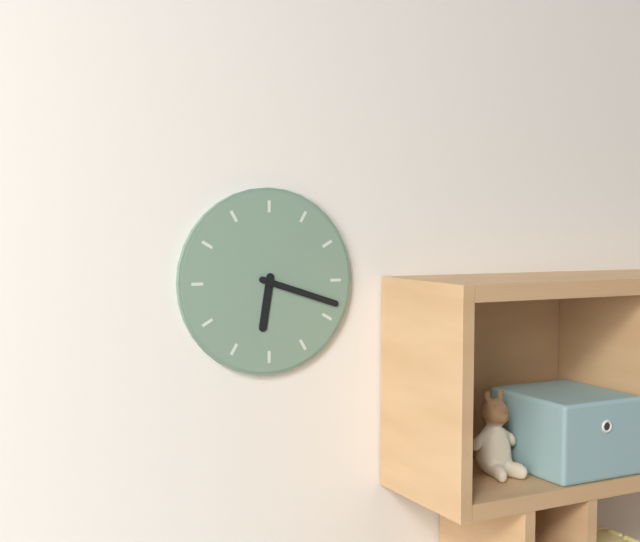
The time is **6:18**
